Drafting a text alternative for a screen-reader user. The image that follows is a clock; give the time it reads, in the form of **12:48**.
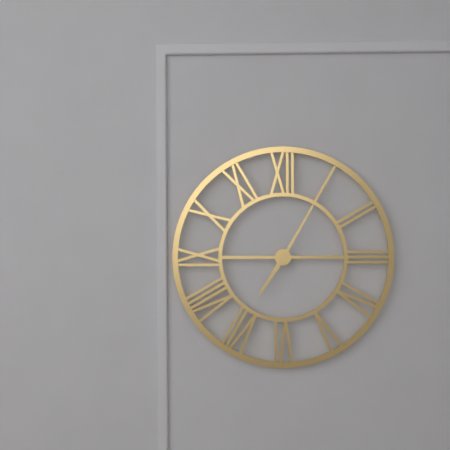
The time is **7:05**
